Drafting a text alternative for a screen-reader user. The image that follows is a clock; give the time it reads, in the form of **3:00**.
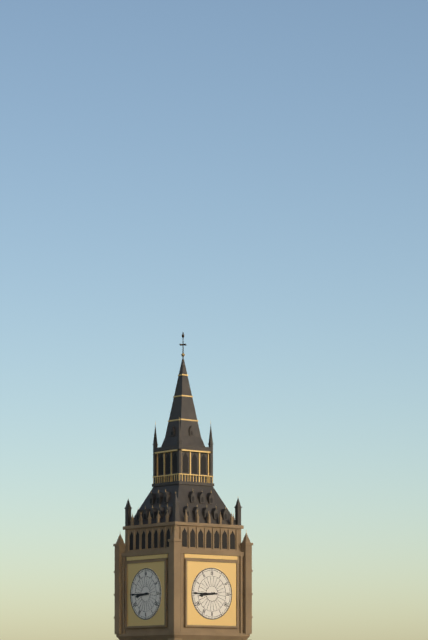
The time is **8:45**
